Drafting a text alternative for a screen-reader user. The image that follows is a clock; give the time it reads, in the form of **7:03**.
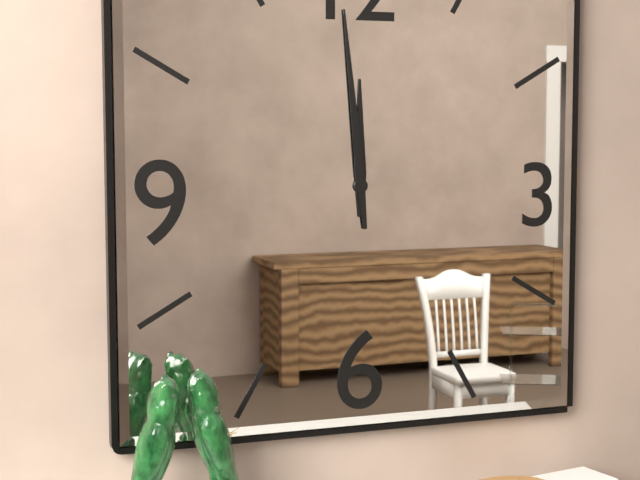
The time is **11:59**
